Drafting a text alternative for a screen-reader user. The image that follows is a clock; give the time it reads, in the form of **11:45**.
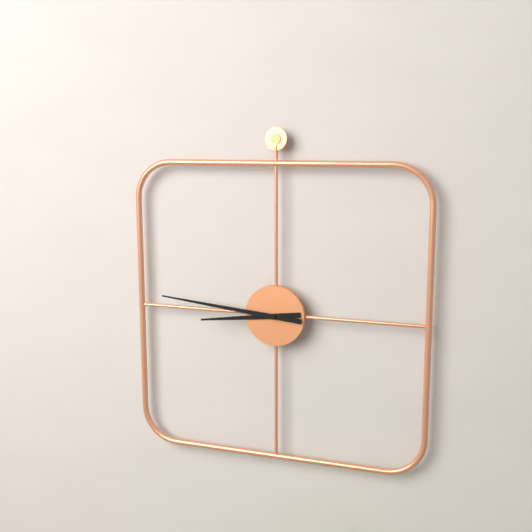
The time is **8:46**
